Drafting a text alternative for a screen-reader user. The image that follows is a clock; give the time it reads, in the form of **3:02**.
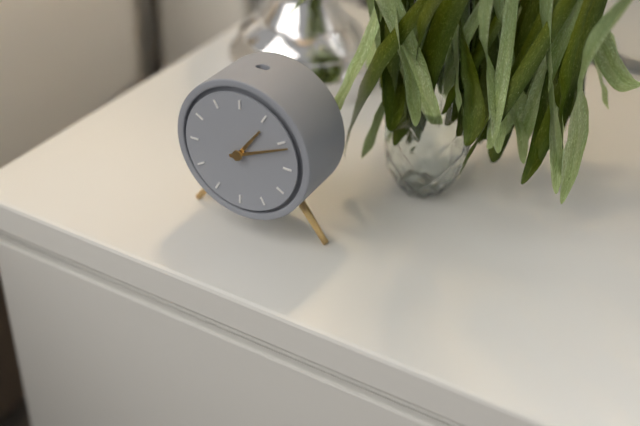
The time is **1:11**
